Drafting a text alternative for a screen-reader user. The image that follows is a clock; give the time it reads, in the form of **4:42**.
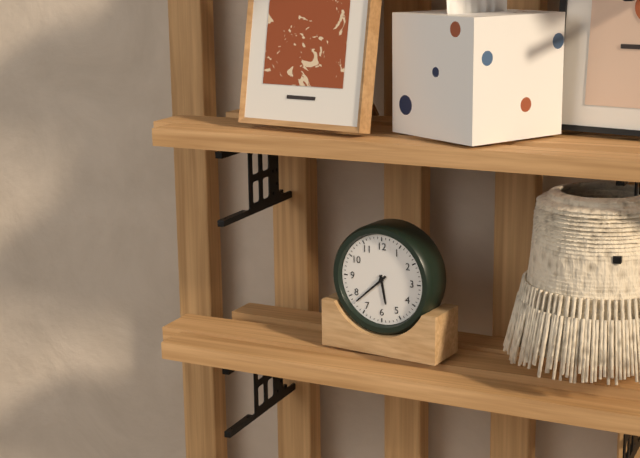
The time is **5:38**
